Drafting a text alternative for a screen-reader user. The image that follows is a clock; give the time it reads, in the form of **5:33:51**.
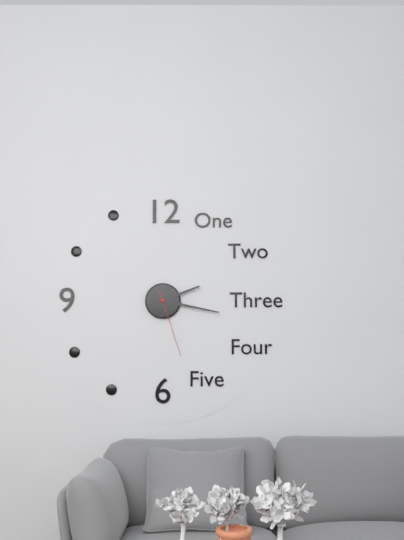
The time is **2:17:27**
